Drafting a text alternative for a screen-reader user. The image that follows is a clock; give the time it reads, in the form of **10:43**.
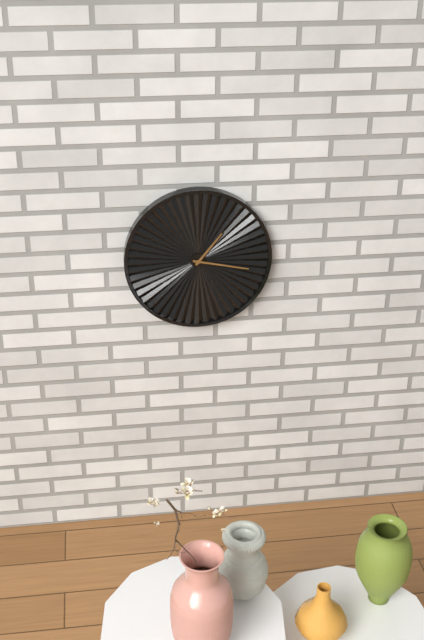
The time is **1:17**
